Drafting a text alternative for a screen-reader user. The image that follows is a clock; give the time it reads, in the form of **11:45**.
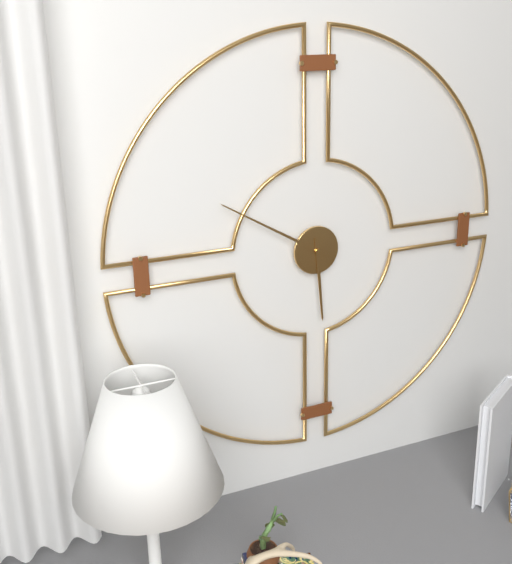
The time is **5:50**
